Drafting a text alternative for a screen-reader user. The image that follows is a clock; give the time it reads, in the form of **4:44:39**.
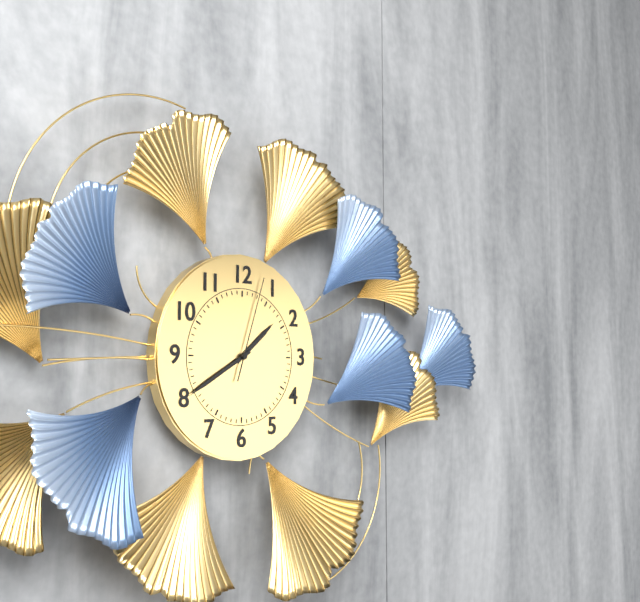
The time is **1:40:03**
